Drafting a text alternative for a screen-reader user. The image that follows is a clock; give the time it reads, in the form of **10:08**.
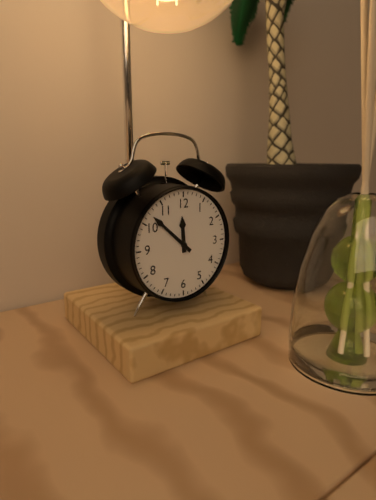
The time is **11:52**
